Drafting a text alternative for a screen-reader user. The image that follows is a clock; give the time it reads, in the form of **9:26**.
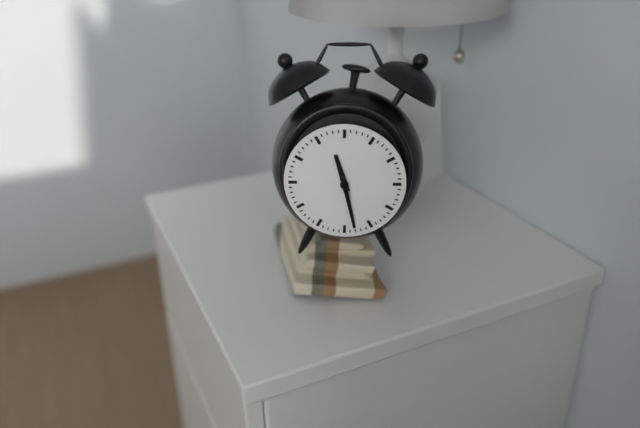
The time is **11:28**
